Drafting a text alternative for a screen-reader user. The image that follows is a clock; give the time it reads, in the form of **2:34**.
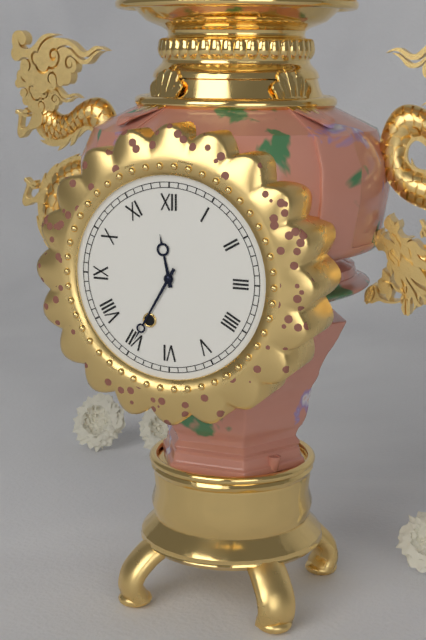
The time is **11:35**
